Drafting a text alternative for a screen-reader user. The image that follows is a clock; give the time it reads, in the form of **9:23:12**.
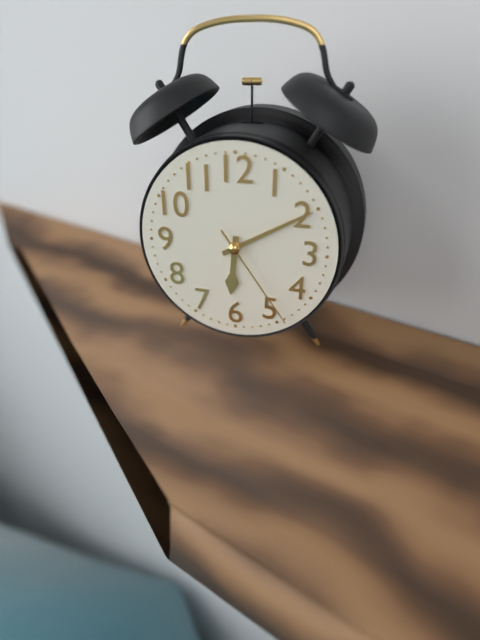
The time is **6:10:24**
